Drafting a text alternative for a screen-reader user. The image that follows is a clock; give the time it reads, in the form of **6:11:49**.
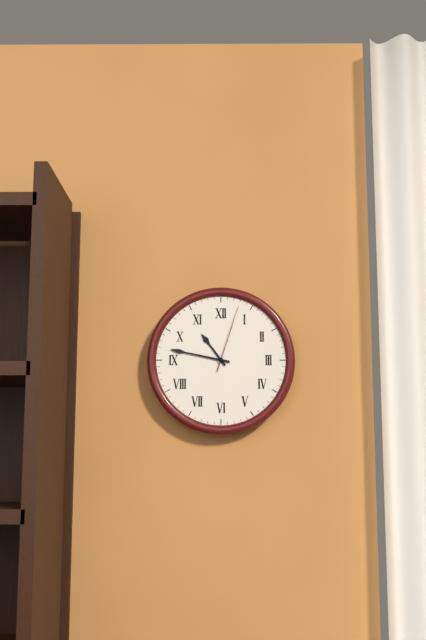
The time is **10:47:03**
